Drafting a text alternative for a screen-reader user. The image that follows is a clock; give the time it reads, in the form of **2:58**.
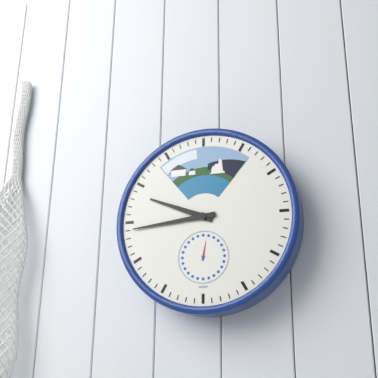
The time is **9:44**
